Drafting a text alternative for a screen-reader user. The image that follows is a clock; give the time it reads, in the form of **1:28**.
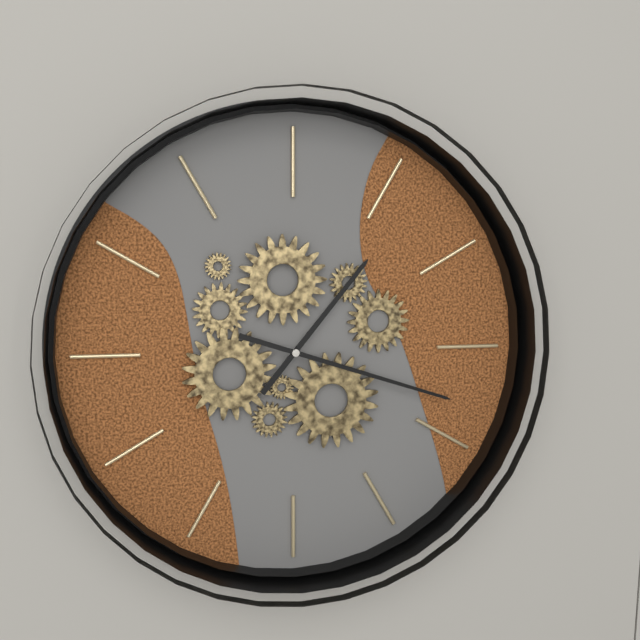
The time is **1:18**
